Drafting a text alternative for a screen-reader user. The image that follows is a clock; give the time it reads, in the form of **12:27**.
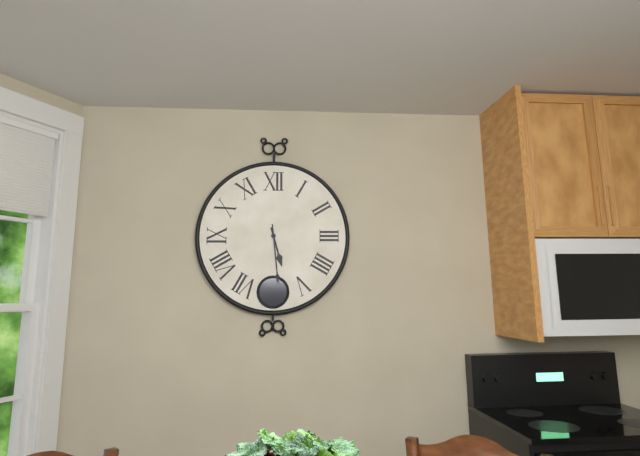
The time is **5:29**
